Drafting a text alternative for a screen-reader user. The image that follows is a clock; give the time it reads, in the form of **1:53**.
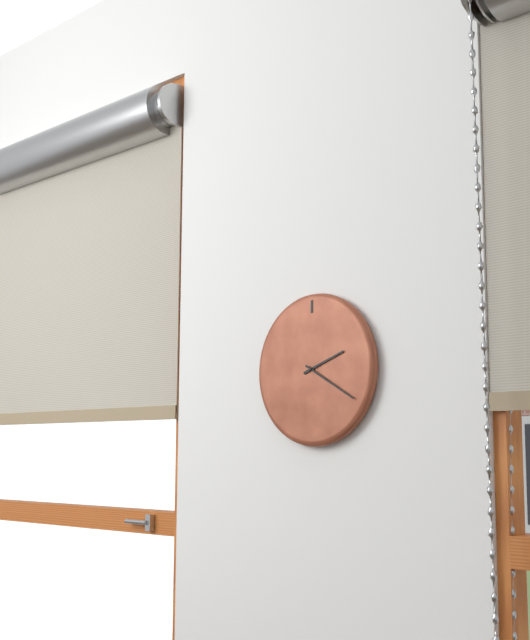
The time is **2:20**
